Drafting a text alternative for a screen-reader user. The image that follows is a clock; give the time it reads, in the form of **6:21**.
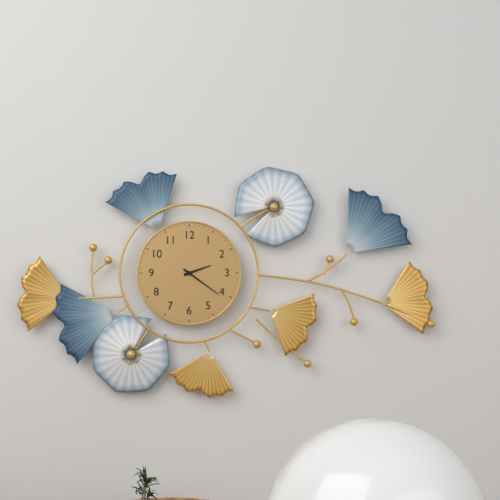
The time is **2:21**
